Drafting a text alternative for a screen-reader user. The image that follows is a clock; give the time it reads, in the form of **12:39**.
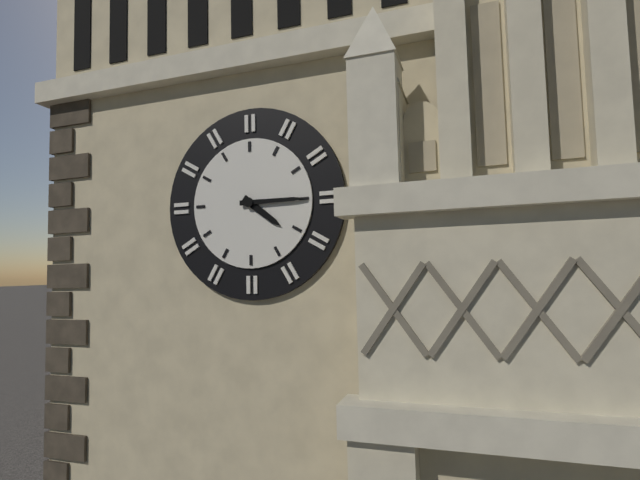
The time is **4:15**
